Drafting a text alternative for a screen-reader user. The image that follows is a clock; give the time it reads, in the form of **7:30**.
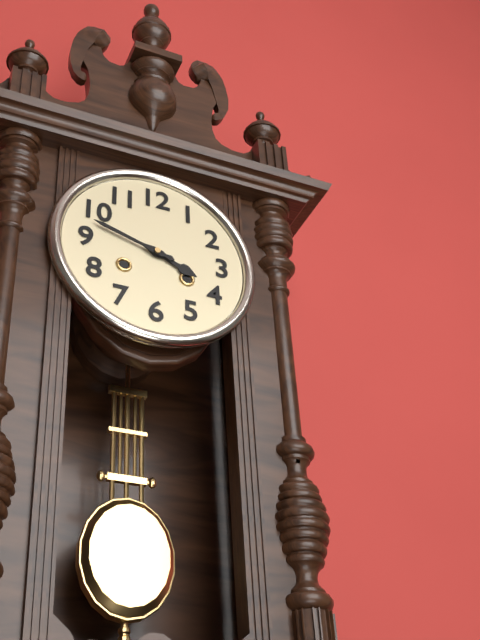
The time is **3:48**
